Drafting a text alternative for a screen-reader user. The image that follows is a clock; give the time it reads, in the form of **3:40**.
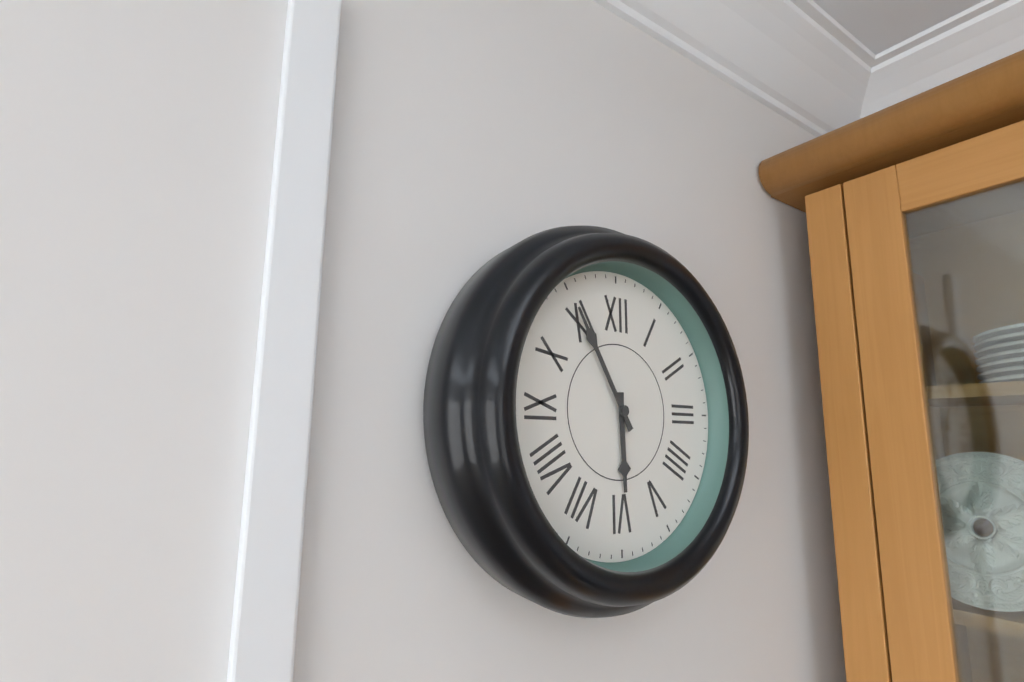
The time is **5:55**
